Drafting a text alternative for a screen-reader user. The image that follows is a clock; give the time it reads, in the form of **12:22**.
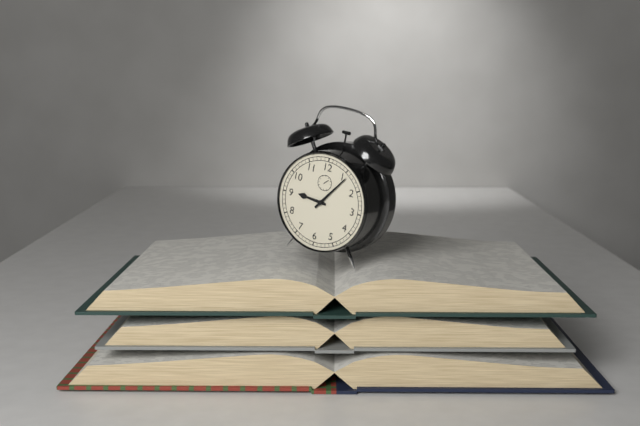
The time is **9:06**
